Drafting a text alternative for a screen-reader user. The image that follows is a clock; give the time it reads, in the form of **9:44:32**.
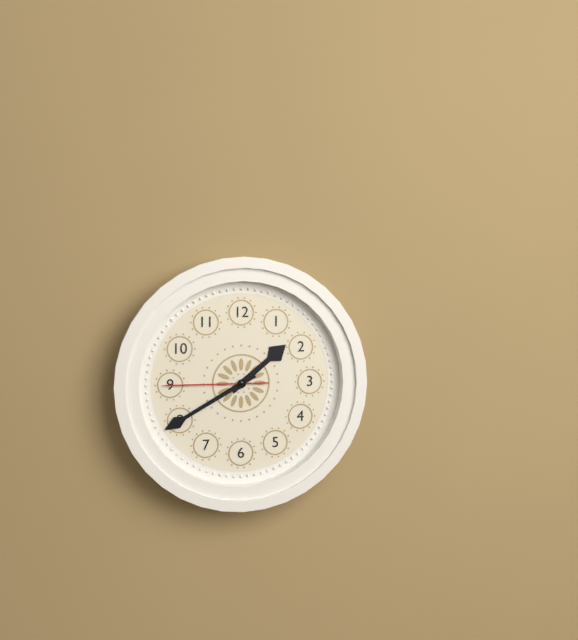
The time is **1:40:45**
